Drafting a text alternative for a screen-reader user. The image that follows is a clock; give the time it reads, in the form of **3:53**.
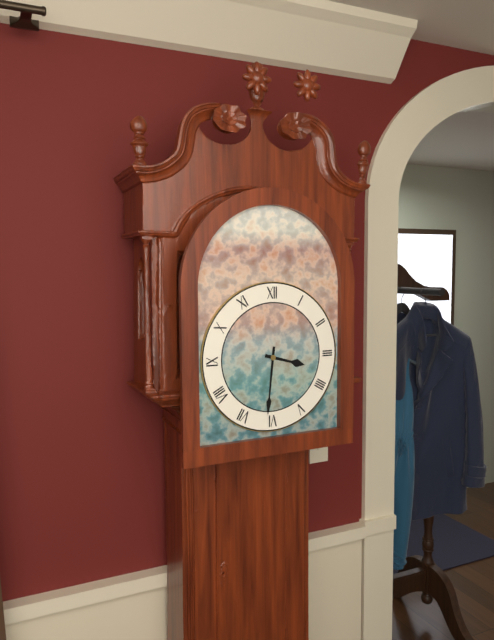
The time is **3:31**
